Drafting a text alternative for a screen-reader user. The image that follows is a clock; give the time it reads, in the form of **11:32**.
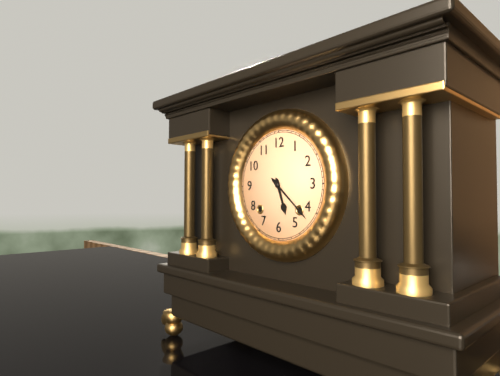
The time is **5:22**
